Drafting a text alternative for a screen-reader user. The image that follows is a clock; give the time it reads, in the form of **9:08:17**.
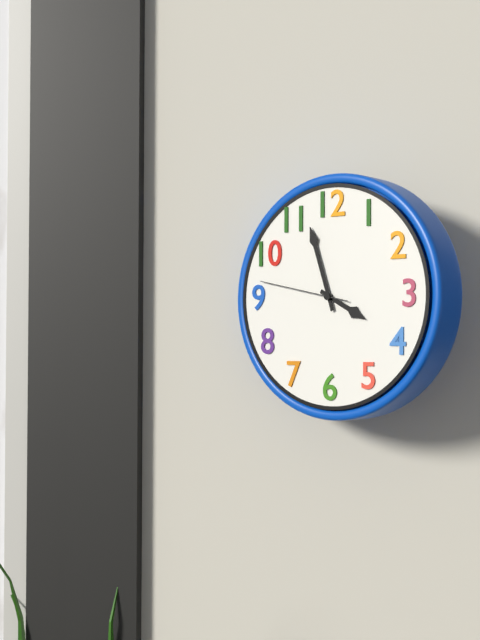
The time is **3:57:47**
